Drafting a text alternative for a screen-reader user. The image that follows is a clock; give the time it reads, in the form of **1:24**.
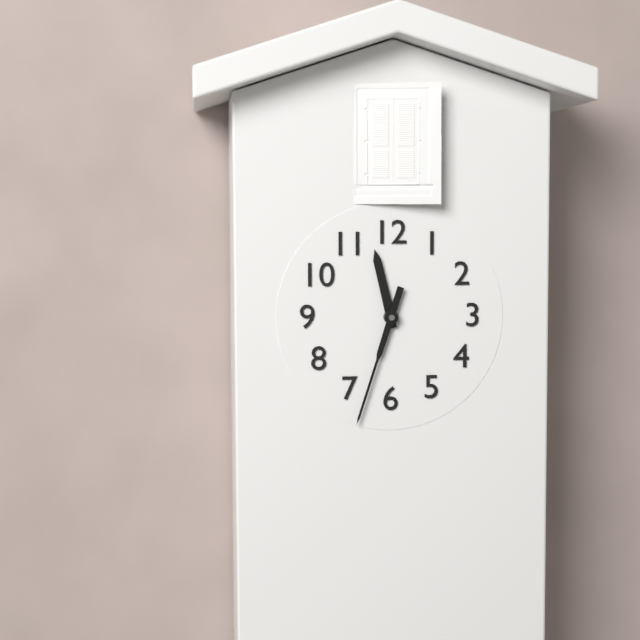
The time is **11:33**
